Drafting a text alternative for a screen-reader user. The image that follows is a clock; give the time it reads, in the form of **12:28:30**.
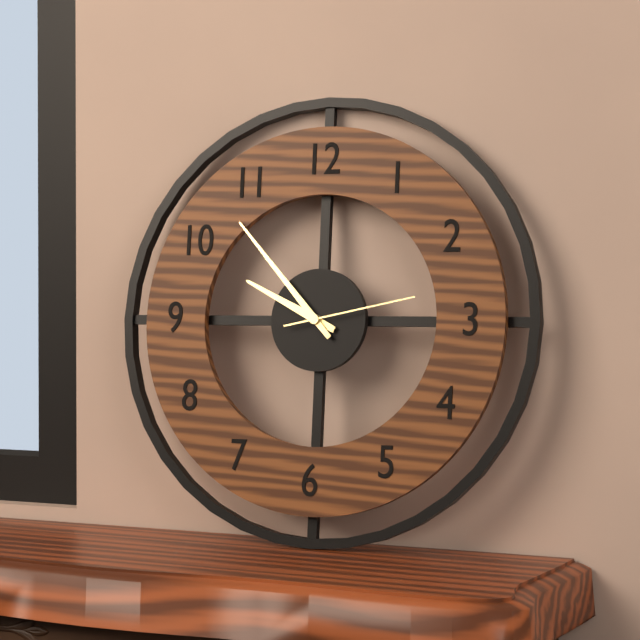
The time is **9:53:13**
